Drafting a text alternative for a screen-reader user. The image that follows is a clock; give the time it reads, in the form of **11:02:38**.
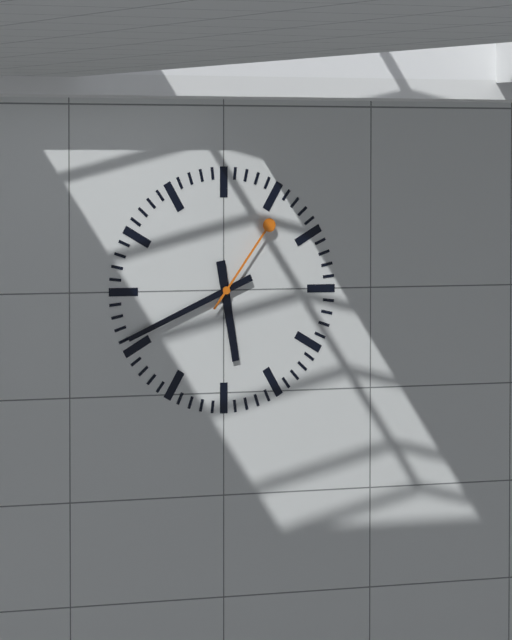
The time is **5:41:06**
